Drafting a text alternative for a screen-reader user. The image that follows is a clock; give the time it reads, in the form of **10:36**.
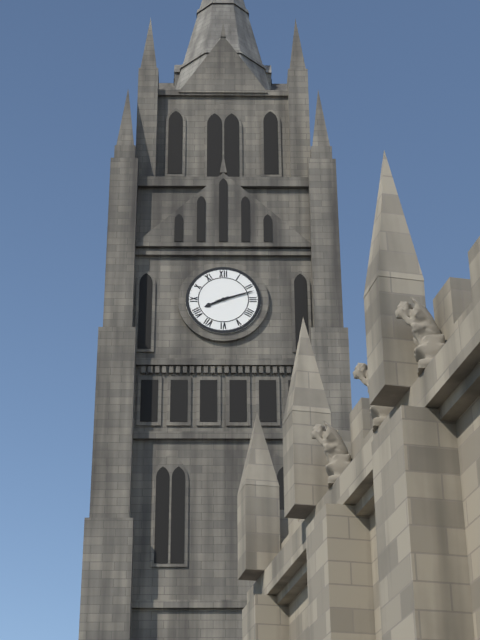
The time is **8:12**
